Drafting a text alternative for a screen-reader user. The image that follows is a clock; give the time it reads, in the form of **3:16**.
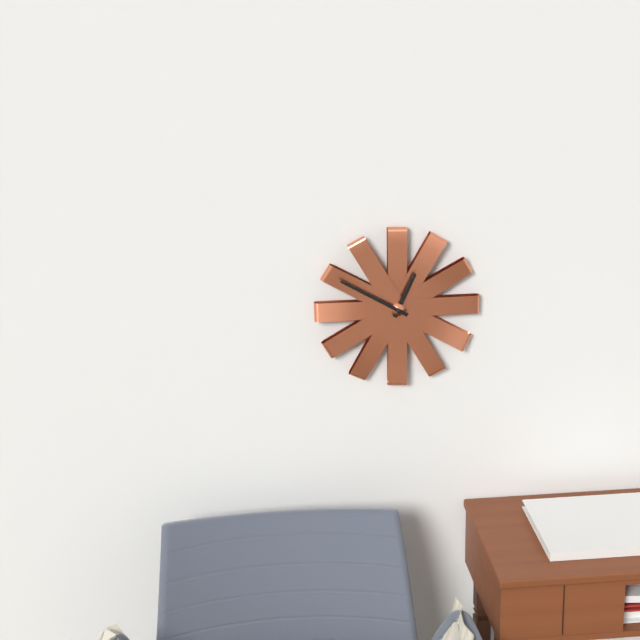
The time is **12:50**
